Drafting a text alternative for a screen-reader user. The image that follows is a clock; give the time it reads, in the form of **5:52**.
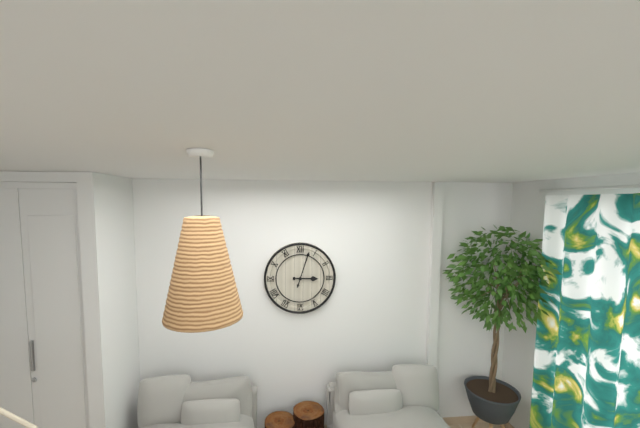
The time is **3:03**
